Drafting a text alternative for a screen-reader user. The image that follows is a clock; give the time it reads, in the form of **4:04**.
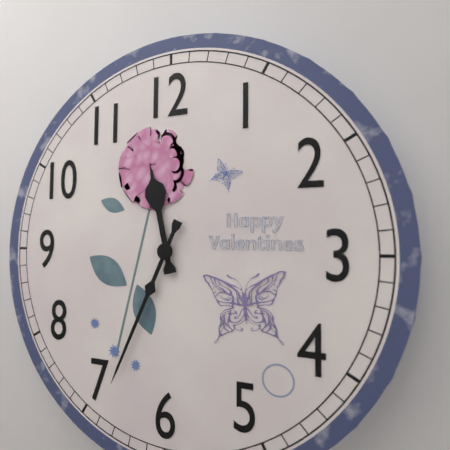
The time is **11:34**
